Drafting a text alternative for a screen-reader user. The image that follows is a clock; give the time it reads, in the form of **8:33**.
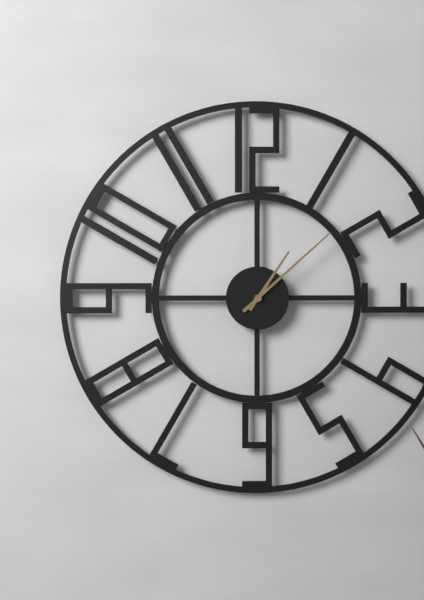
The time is **1:08**
